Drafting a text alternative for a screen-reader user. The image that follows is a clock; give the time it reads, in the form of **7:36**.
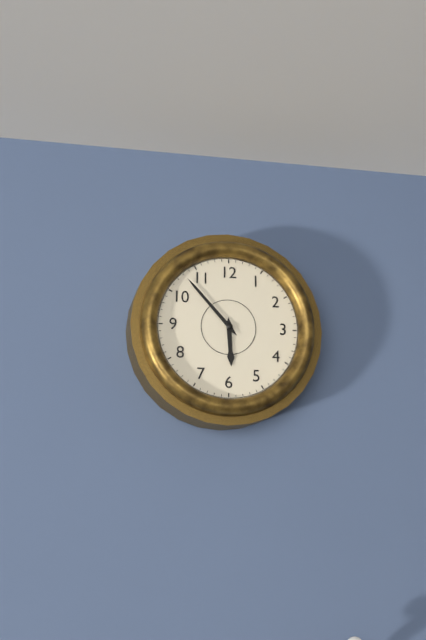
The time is **5:53**
